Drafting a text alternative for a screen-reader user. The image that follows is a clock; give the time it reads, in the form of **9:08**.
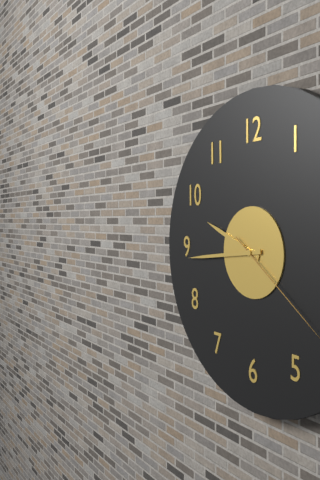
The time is **9:44**
